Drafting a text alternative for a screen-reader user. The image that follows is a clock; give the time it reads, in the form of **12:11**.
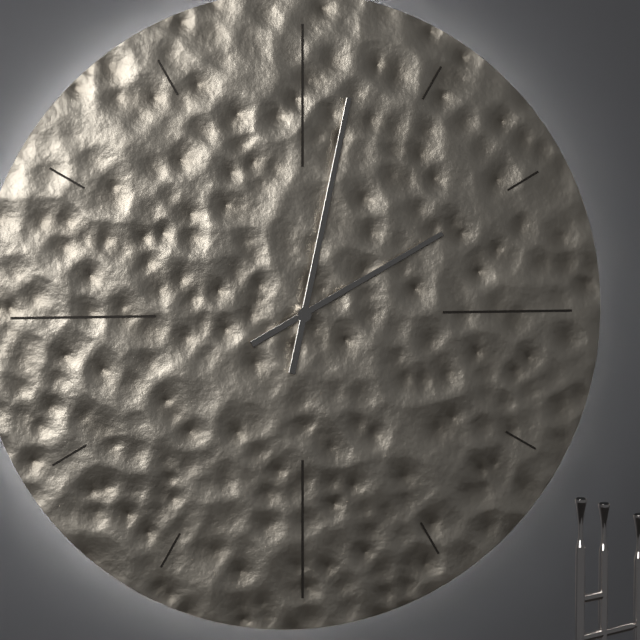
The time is **2:02**
